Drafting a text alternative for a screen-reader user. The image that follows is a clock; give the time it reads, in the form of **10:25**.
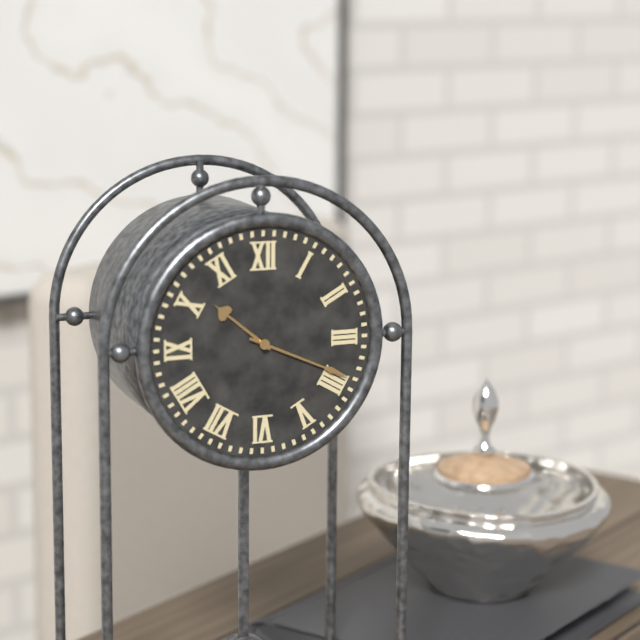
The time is **10:19**
